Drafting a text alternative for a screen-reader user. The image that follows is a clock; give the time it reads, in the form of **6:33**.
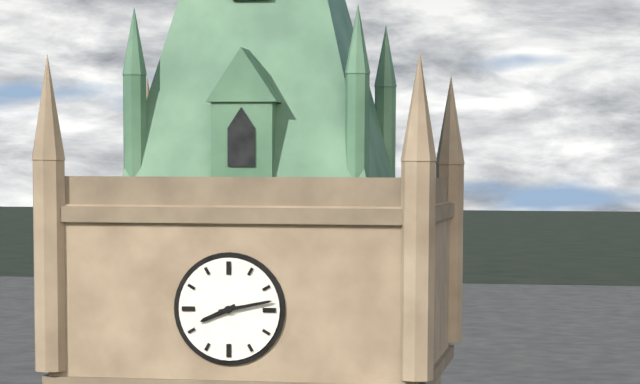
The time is **8:13**
